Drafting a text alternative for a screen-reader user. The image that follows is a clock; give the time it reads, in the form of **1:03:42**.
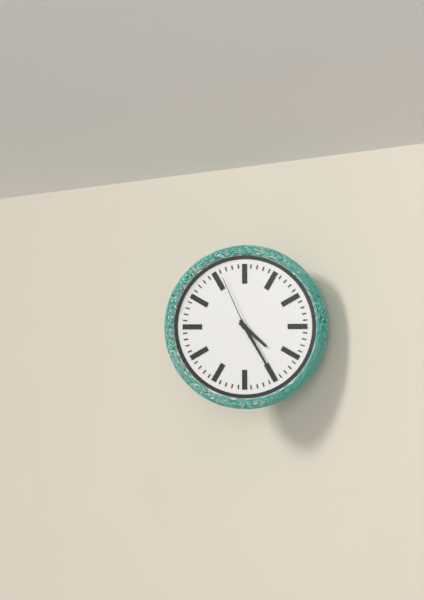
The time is **4:25:56**
